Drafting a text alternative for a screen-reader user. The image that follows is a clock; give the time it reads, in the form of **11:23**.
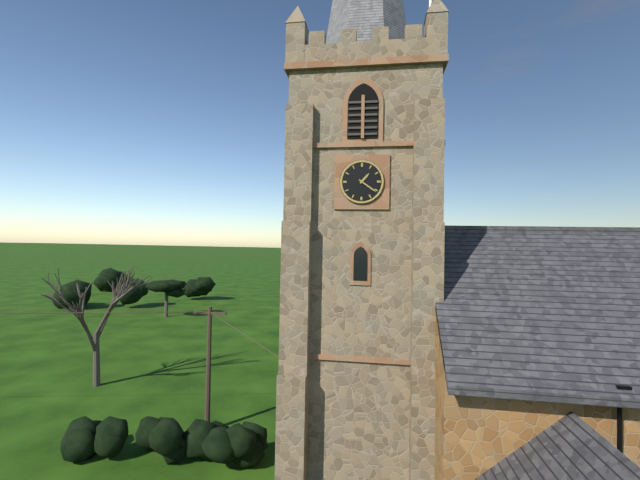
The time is **1:21**
